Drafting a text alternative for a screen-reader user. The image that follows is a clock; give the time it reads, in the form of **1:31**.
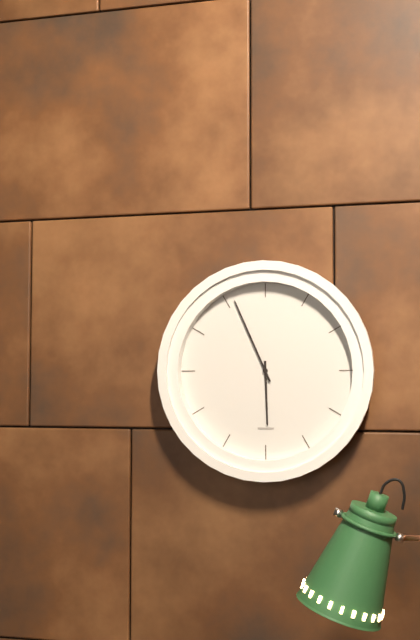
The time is **5:56**
